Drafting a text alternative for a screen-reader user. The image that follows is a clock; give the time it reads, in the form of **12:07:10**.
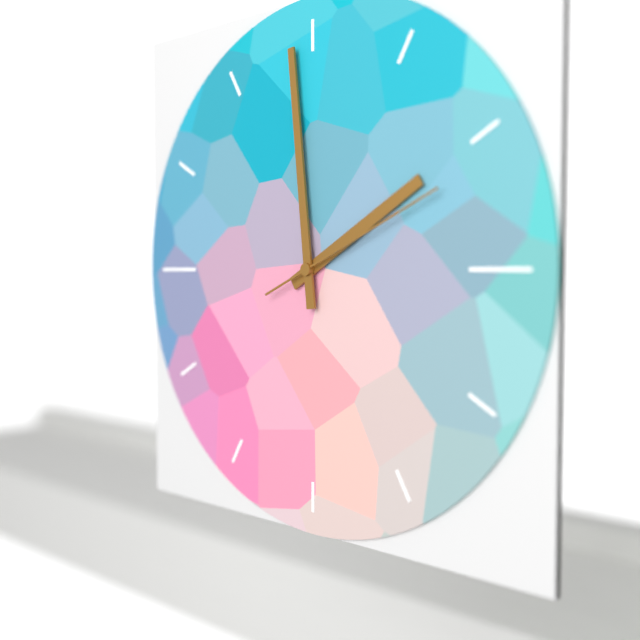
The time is **1:59:11**
